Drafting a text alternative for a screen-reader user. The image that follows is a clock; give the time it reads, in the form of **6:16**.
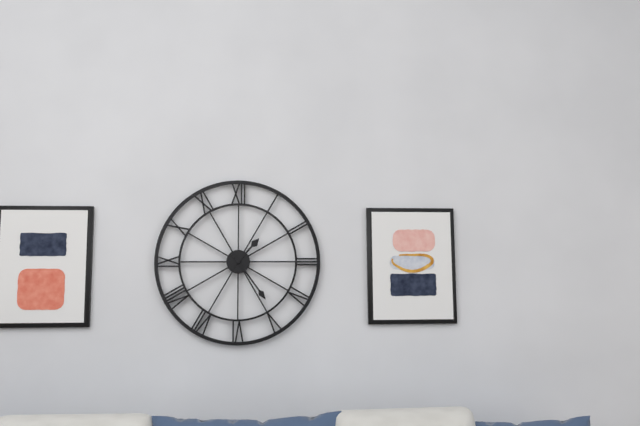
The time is **1:24**
